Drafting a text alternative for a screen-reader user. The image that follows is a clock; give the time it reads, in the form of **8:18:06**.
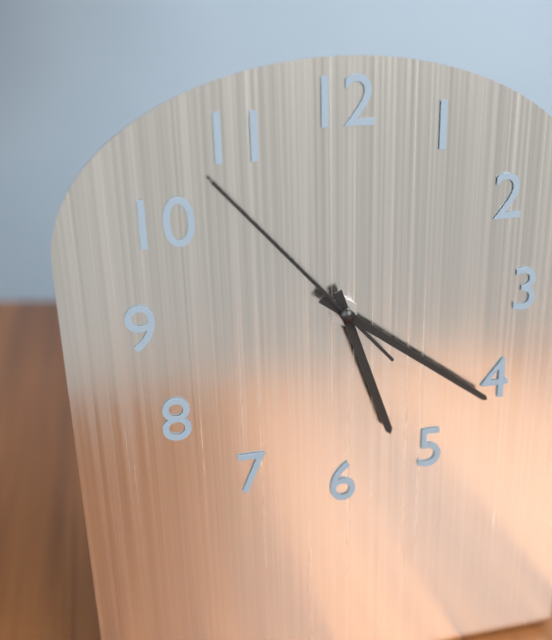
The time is **5:21:53**
